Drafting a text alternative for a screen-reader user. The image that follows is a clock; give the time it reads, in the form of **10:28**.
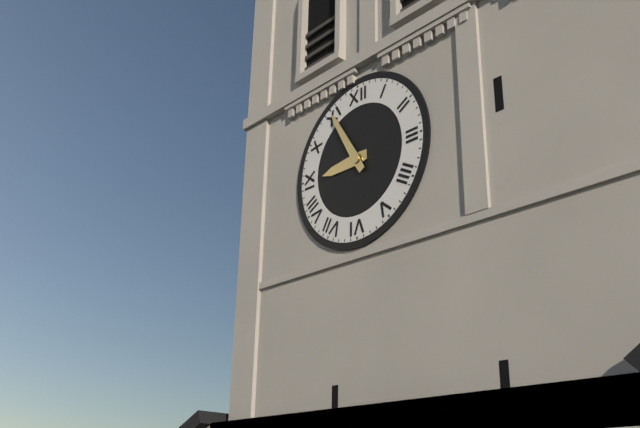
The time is **8:55**
